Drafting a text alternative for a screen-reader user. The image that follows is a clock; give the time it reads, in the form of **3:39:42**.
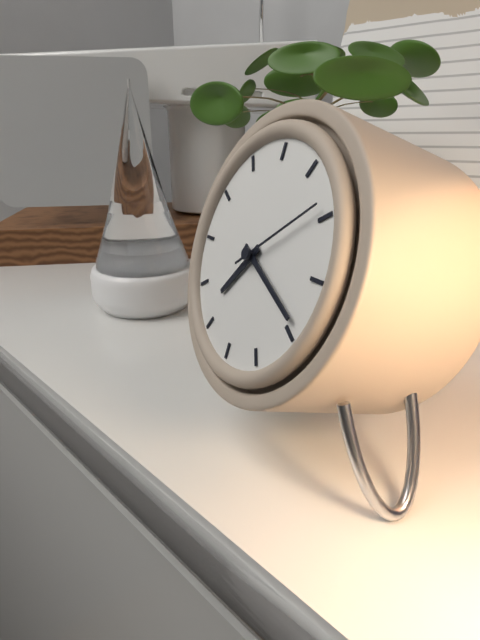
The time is **7:19:09**
